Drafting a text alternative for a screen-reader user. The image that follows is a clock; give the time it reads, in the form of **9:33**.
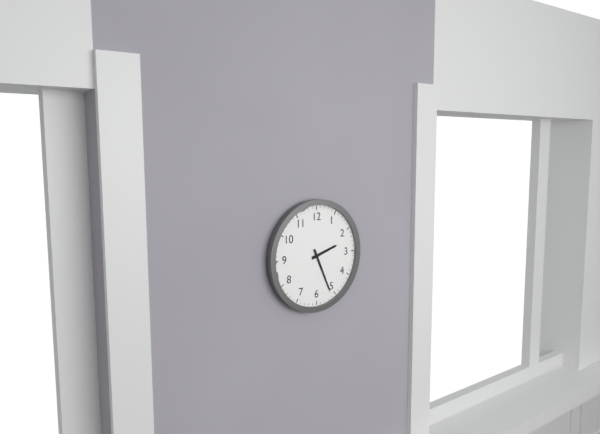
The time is **2:26**
